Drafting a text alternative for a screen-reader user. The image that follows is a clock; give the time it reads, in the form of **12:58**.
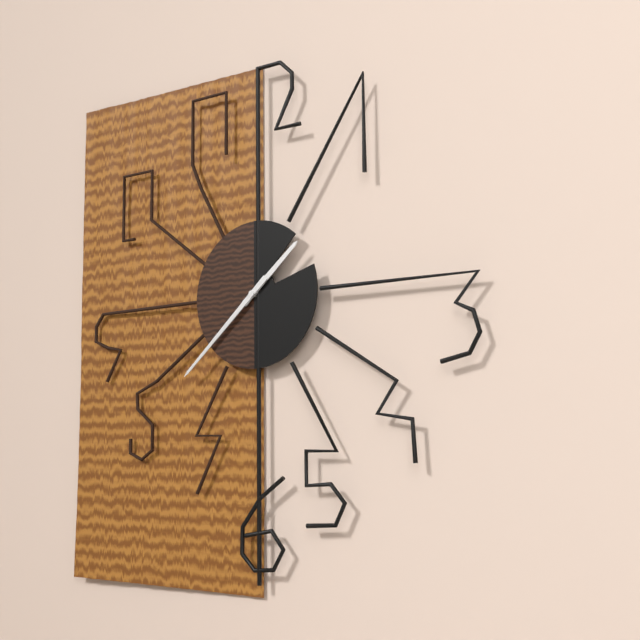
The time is **1:38**
